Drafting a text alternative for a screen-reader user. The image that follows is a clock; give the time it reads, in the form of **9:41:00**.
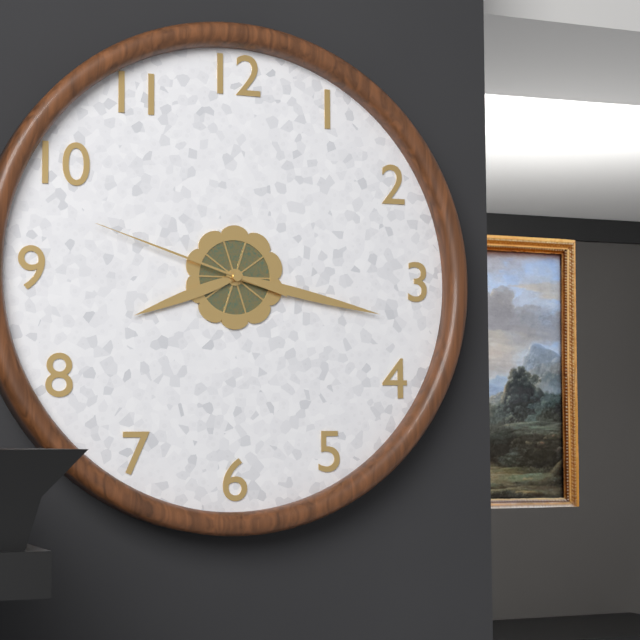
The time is **8:17:48**
